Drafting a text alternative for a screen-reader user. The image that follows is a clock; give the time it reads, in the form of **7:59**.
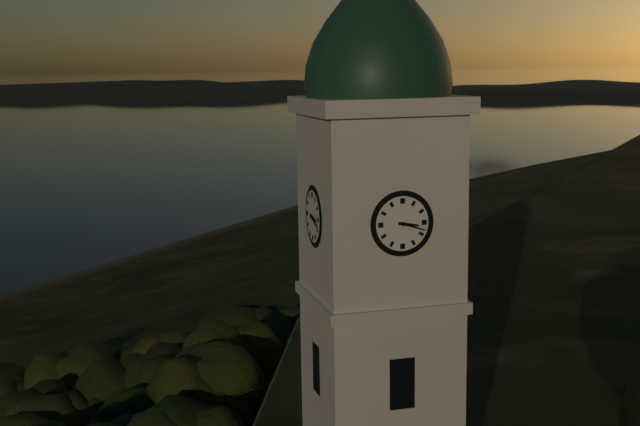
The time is **3:18**
